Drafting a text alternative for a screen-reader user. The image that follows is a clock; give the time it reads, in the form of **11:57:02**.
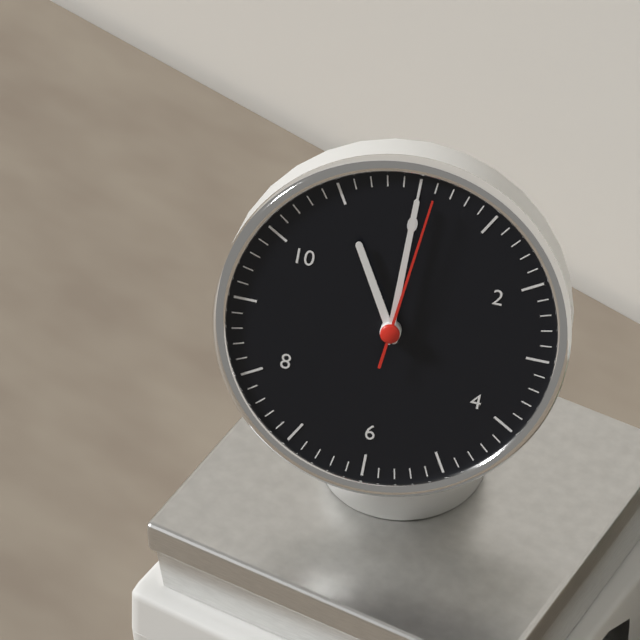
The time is **11:00:01**
